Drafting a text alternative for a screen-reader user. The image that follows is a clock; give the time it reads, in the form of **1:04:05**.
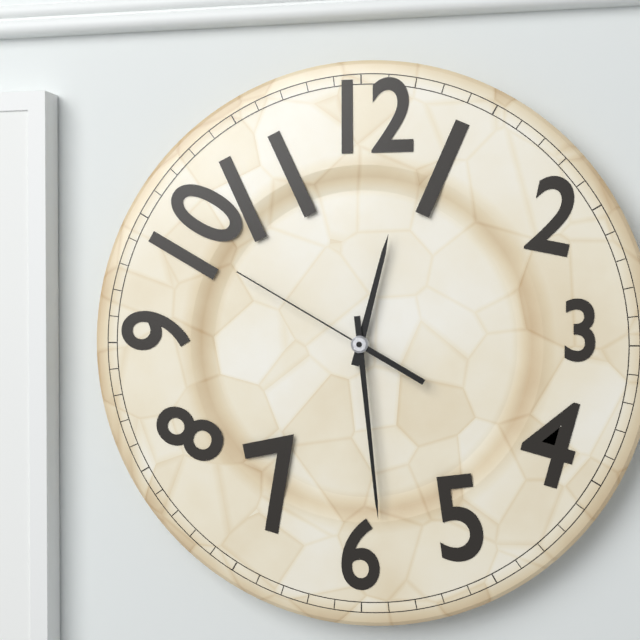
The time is **12:29:50**
